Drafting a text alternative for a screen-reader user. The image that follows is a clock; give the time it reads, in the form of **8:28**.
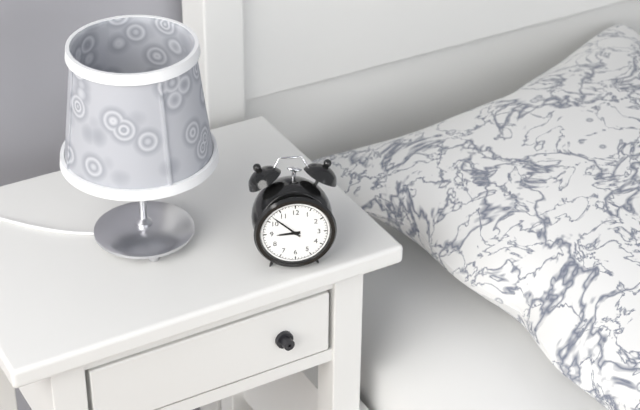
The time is **8:52**
